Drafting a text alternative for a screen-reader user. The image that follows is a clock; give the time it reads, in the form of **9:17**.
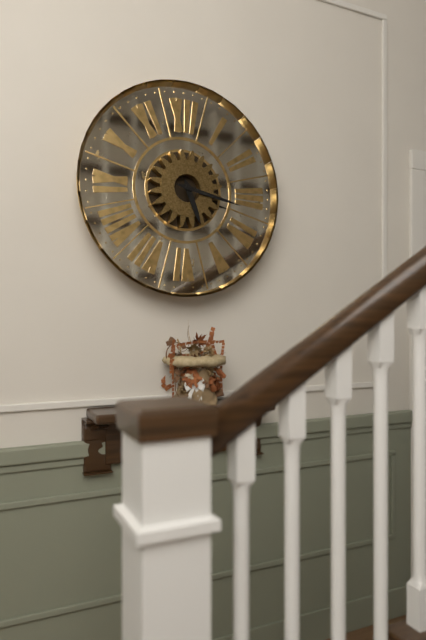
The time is **5:17**
